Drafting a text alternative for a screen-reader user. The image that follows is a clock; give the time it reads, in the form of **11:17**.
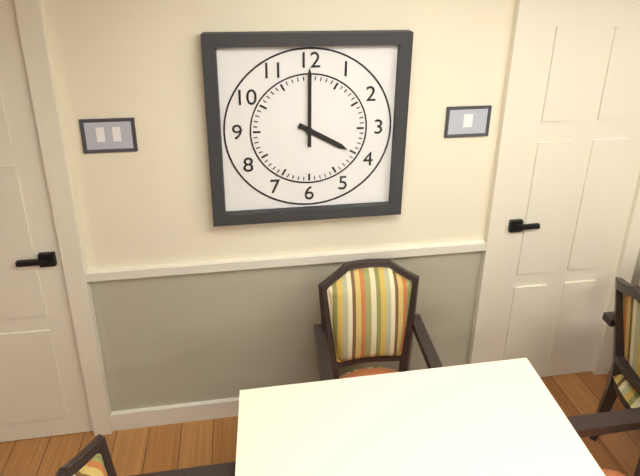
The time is **4:00**
